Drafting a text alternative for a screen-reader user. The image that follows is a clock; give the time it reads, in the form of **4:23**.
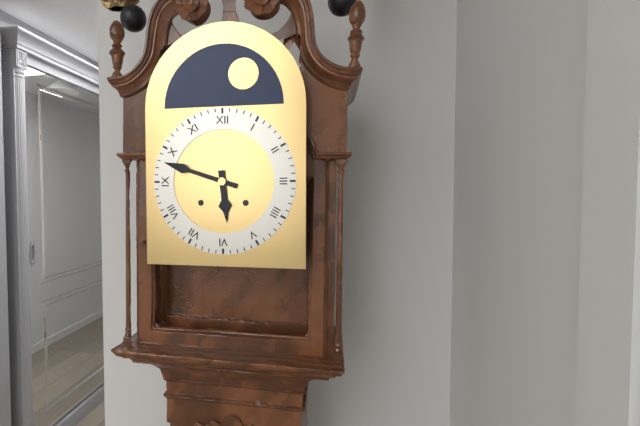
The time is **5:48**
